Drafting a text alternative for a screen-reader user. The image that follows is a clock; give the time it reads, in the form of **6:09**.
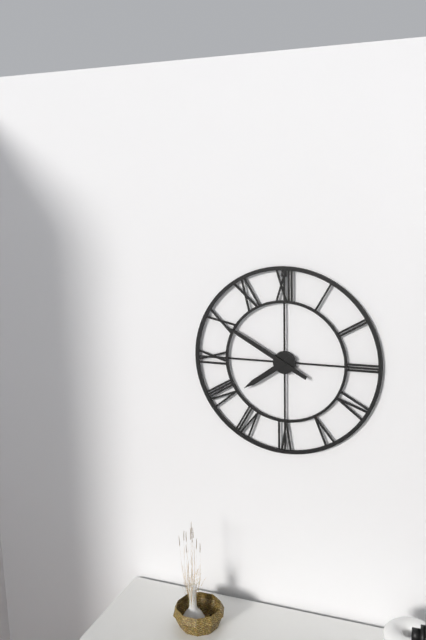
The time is **7:50**
